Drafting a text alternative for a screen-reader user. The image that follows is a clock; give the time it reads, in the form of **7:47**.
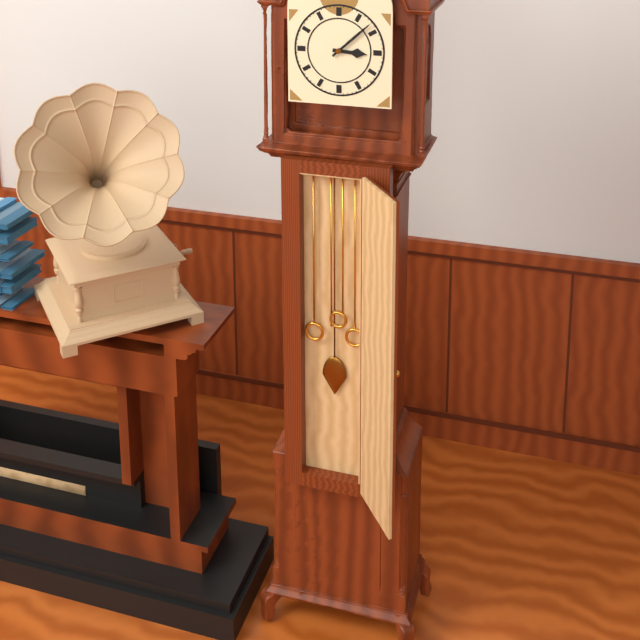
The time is **3:08**
